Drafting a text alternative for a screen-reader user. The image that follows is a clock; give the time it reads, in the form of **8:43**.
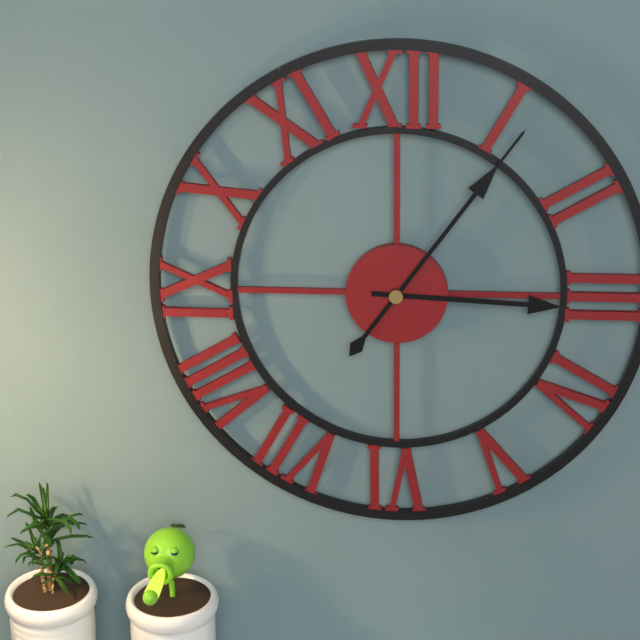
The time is **3:06**
